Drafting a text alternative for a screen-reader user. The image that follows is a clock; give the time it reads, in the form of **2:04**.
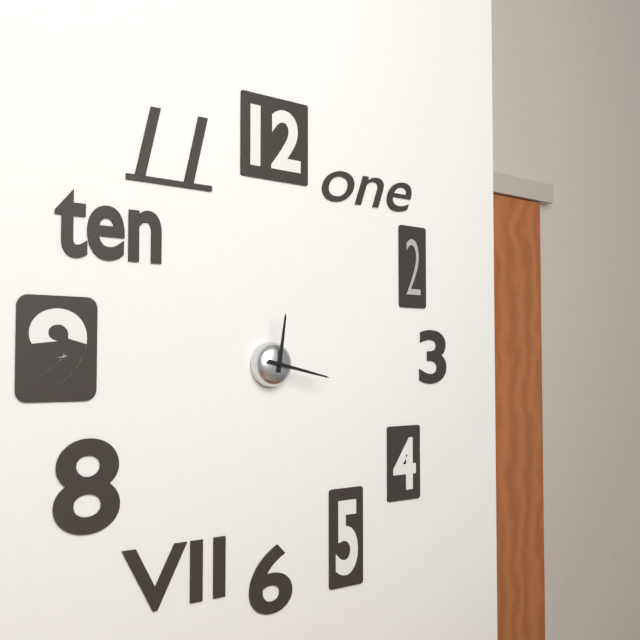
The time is **12:17**
